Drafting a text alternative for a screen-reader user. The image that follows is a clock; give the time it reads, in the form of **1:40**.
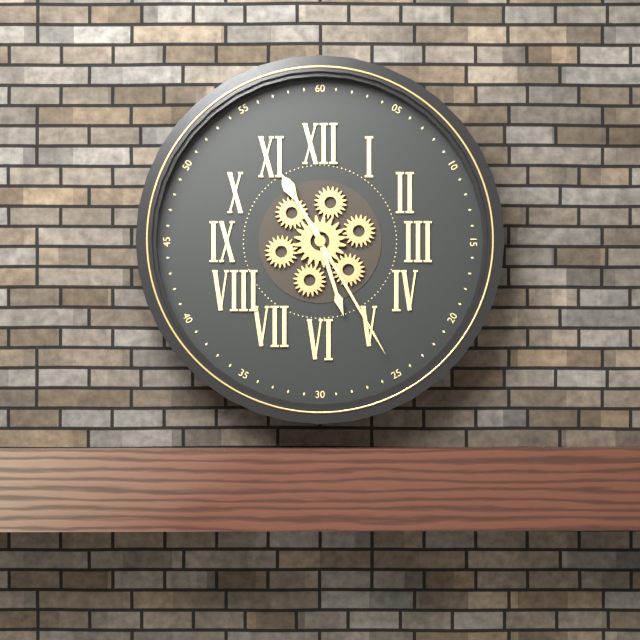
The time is **5:25**
